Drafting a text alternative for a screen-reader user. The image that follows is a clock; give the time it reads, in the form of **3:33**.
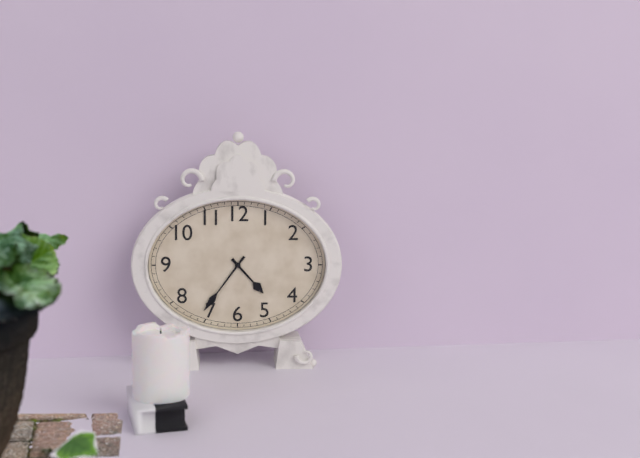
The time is **4:36**
